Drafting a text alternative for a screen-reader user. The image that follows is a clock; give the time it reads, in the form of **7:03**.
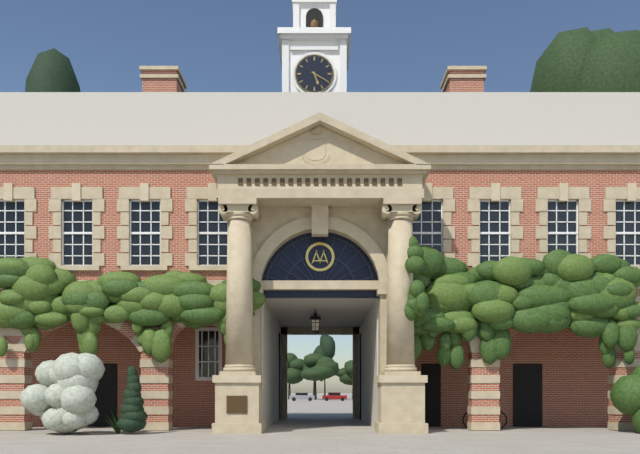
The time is **5:20**
